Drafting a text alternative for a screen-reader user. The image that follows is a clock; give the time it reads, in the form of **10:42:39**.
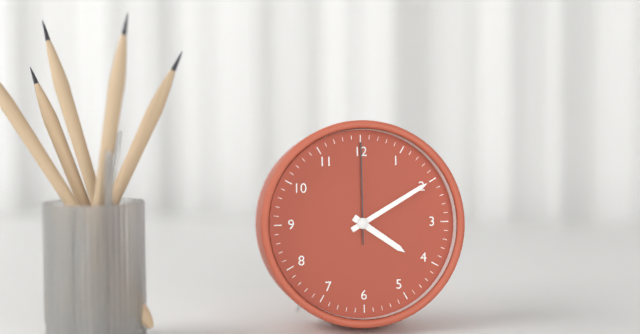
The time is **4:10:00**
